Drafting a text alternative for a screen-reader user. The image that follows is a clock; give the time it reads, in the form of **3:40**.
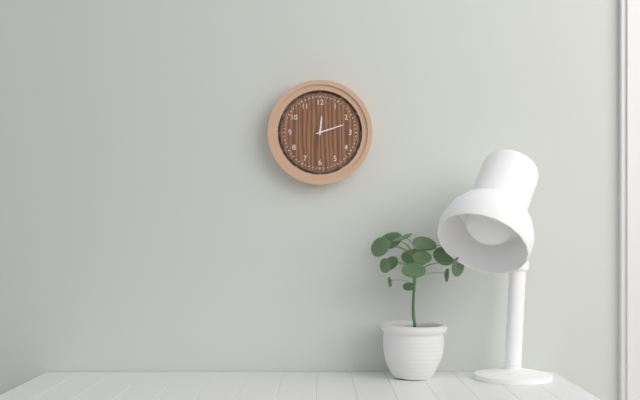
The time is **12:12**
